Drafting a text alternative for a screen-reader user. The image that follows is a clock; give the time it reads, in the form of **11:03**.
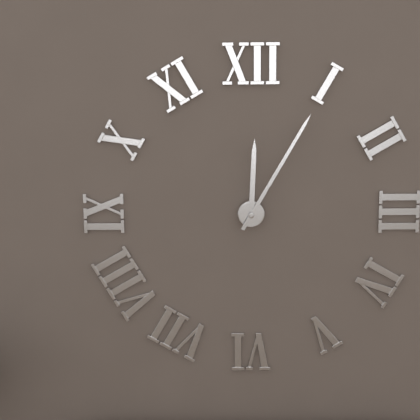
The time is **12:05**
